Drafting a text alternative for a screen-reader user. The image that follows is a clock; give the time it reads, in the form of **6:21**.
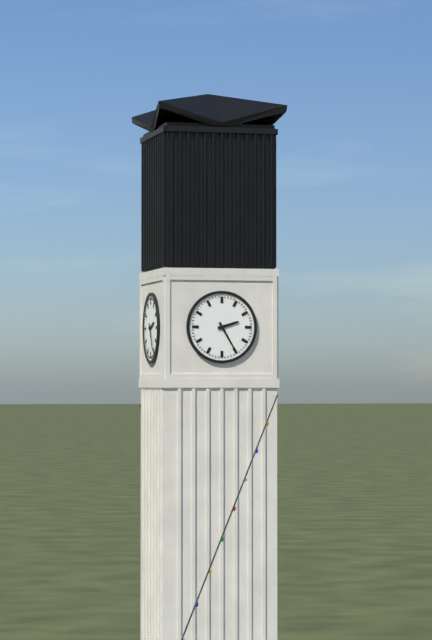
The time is **2:25**
